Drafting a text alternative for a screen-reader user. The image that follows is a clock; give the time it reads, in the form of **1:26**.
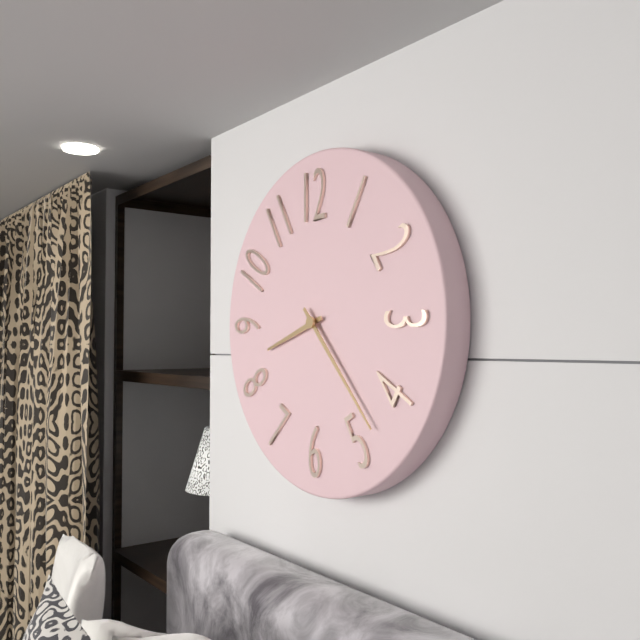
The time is **8:23**
